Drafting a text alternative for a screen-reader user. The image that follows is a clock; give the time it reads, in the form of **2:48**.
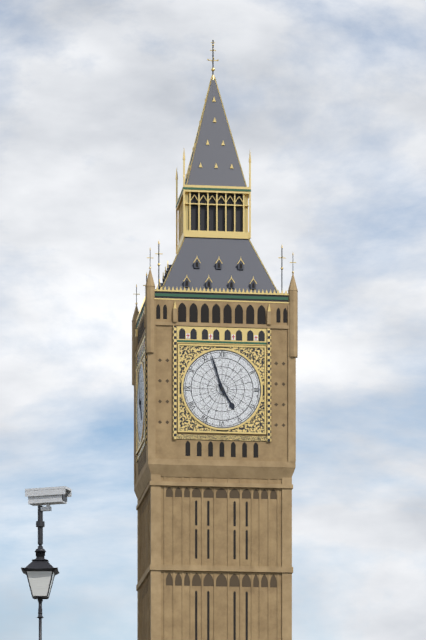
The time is **4:57**
